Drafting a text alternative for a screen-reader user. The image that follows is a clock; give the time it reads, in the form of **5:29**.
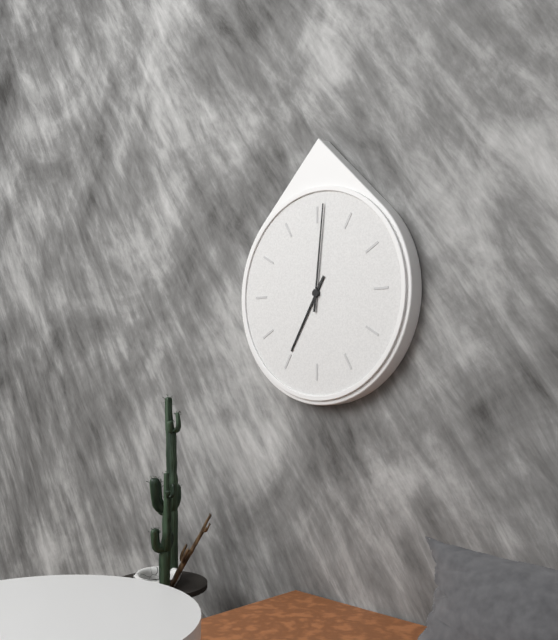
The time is **7:01**
